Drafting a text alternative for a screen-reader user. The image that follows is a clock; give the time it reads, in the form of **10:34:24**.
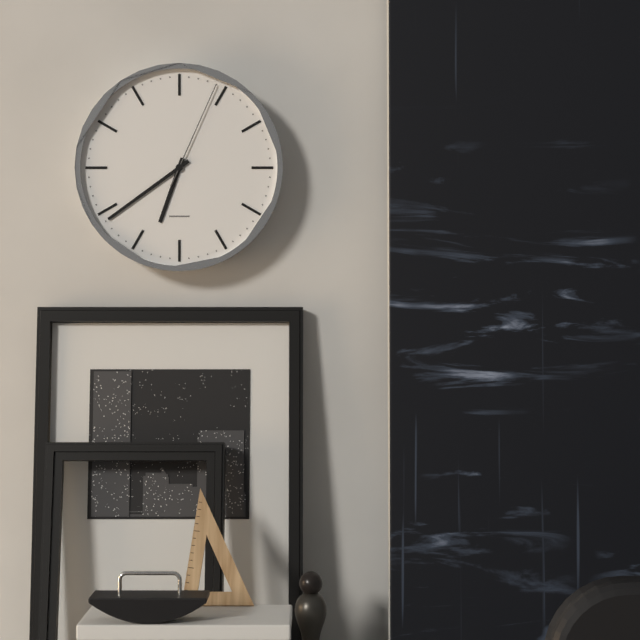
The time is **6:39:04**
